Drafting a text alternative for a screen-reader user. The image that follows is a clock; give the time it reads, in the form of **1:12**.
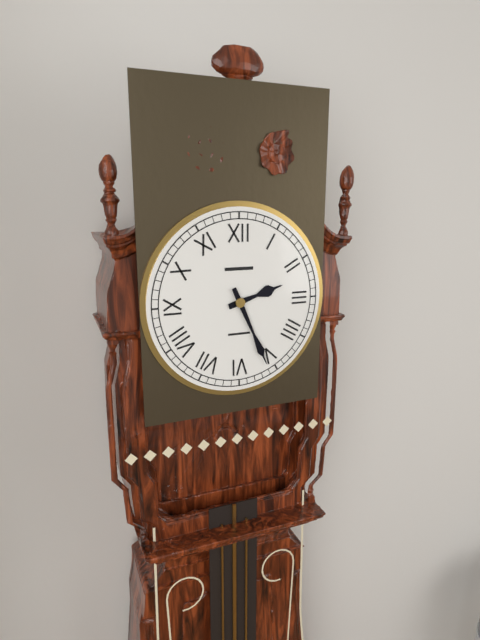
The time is **2:26**
